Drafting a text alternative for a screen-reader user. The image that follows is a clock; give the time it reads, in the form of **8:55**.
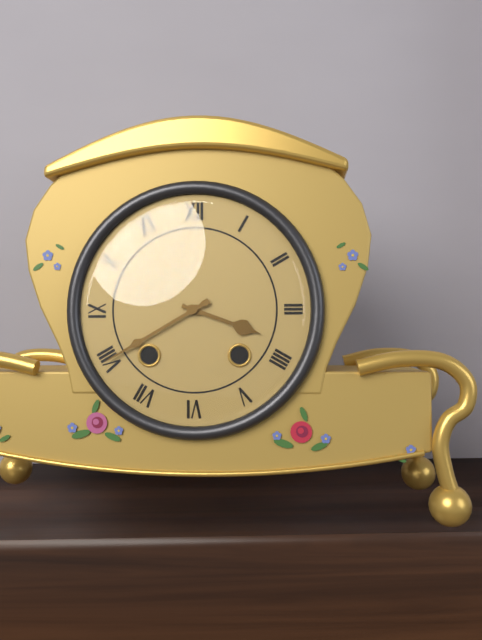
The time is **3:40**
